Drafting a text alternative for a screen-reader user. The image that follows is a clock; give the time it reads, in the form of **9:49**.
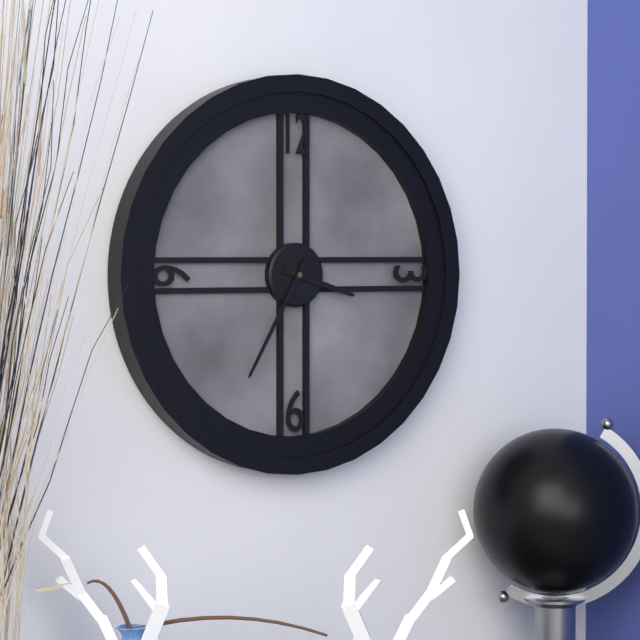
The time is **3:35**
